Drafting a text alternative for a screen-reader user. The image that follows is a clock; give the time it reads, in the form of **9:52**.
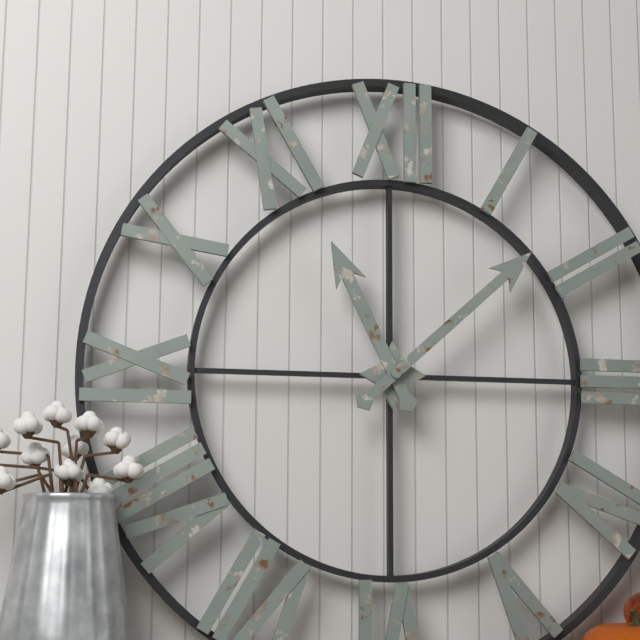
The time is **11:08**
